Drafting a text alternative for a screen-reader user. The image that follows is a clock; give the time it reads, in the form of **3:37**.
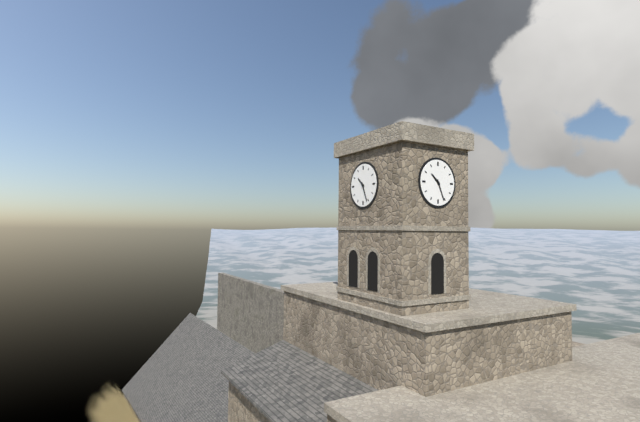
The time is **10:26**
